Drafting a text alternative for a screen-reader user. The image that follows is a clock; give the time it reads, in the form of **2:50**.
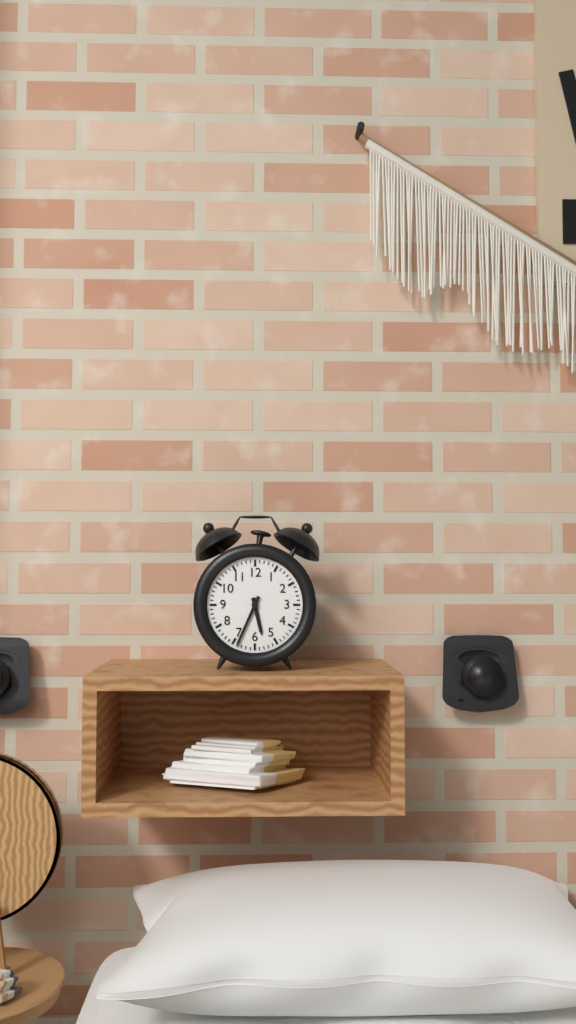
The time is **5:34**
